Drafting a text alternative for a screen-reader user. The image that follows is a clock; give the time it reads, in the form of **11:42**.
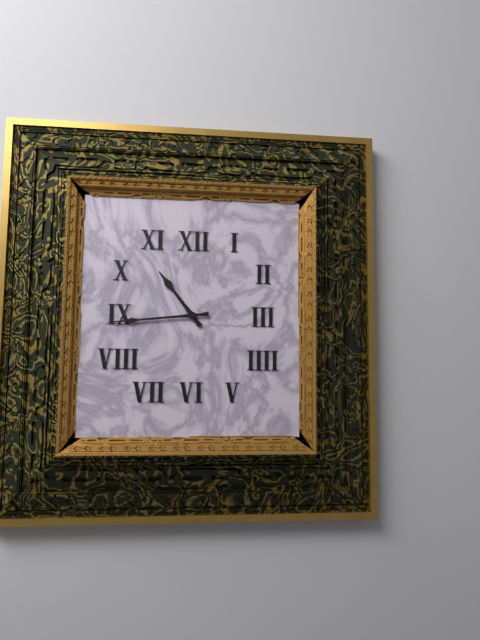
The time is **10:44**
